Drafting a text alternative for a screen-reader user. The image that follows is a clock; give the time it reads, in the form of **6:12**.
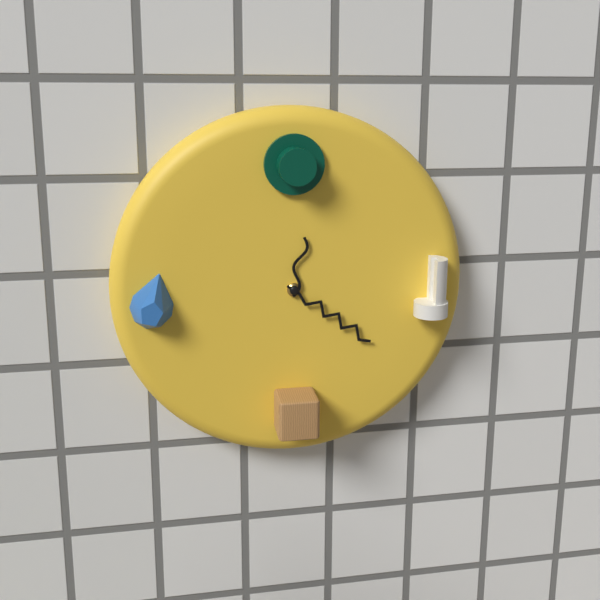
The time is **12:21**
